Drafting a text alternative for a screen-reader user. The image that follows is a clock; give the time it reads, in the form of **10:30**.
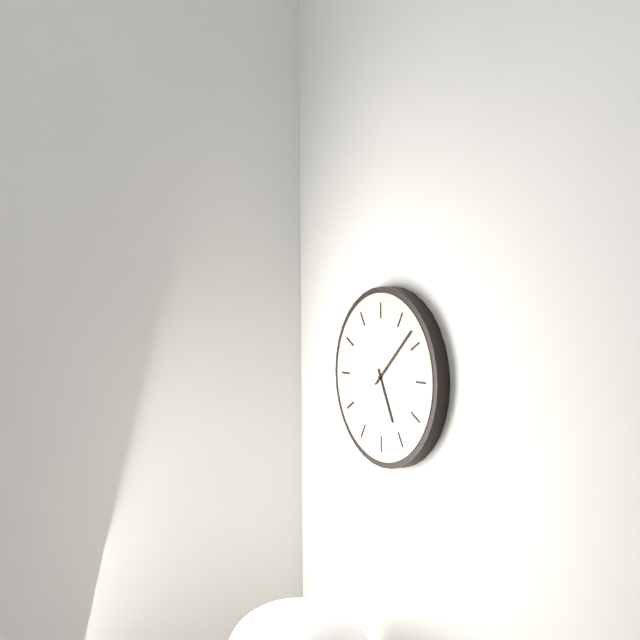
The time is **5:08**
